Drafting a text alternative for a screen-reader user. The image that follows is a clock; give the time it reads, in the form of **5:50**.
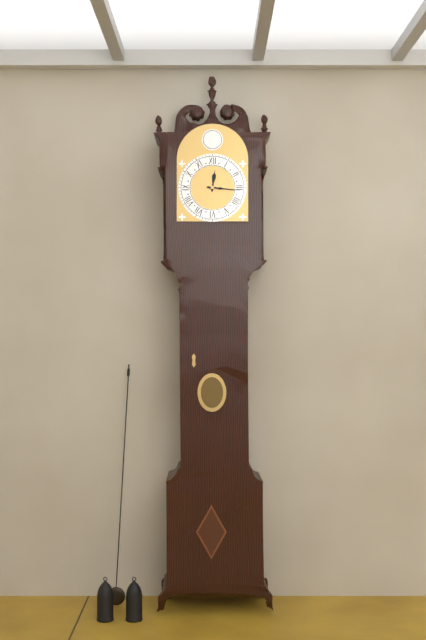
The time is **12:16**
